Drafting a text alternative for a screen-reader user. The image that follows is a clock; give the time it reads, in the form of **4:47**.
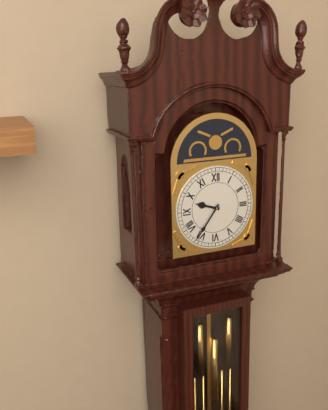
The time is **9:36**
